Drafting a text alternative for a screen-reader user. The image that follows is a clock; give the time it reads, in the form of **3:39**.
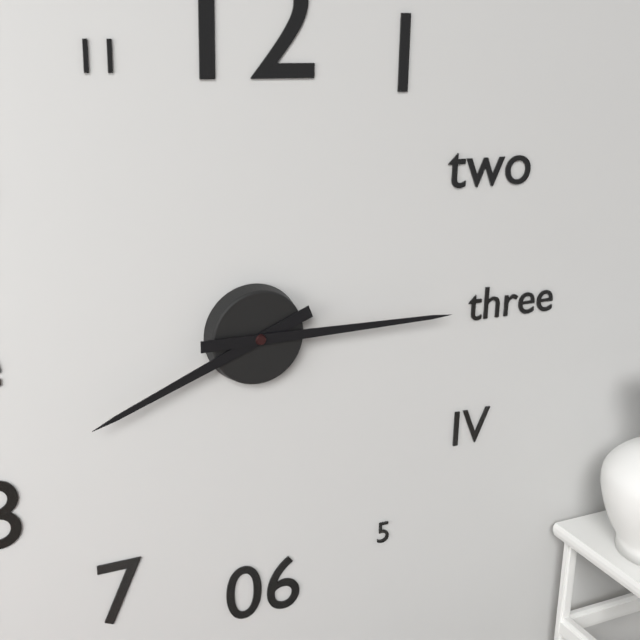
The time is **8:15**
